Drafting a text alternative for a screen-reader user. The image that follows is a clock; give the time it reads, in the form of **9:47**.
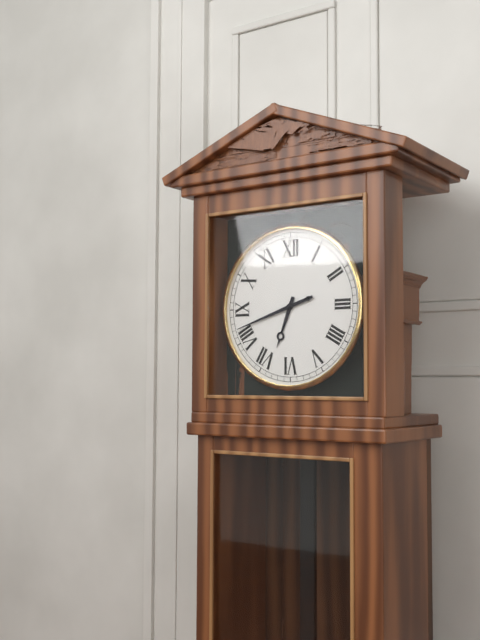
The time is **6:42**
